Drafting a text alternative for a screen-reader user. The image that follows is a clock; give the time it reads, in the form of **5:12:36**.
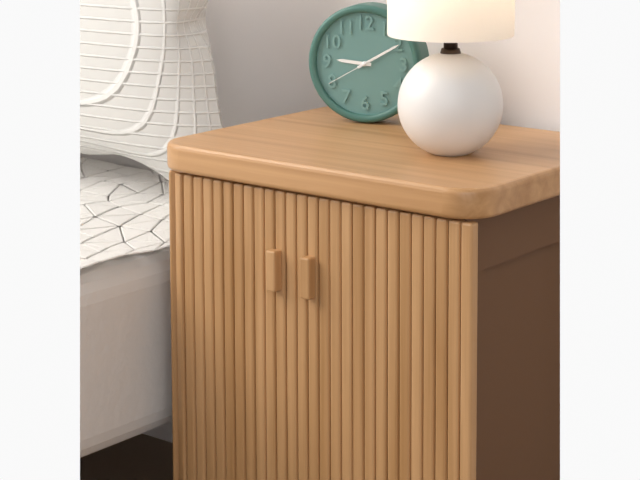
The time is **9:10:40**
